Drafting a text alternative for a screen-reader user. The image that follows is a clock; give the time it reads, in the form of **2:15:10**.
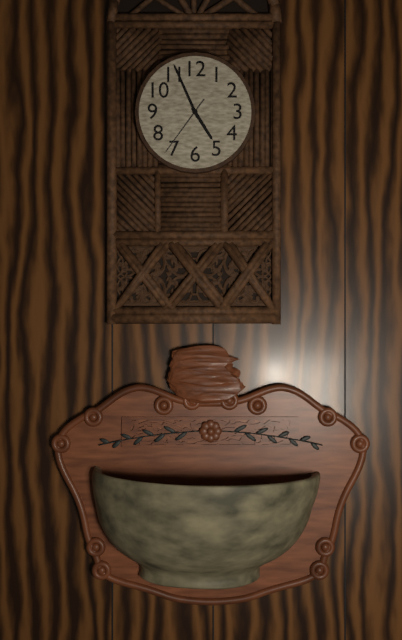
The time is **4:56:36**
